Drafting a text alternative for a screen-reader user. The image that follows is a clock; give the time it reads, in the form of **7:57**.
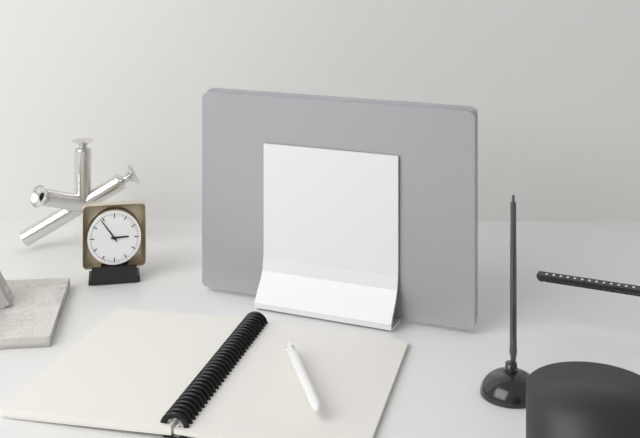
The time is **2:54**
